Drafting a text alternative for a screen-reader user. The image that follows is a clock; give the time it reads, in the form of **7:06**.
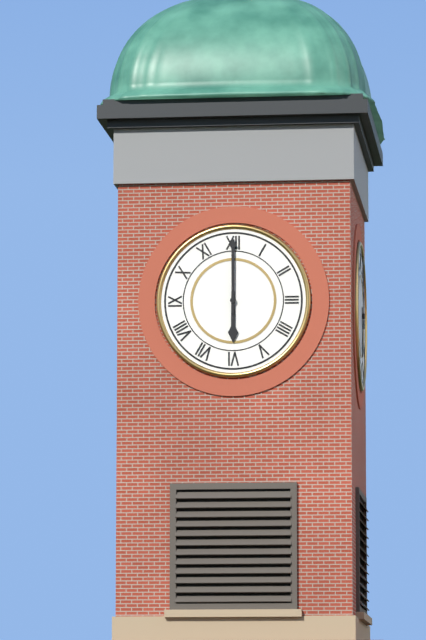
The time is **6:00**
